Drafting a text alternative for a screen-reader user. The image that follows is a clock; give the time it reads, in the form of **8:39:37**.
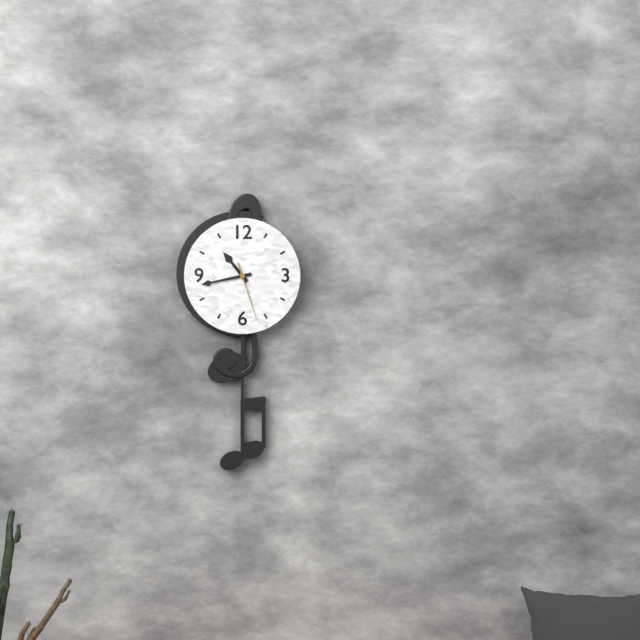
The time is **10:43:27**
